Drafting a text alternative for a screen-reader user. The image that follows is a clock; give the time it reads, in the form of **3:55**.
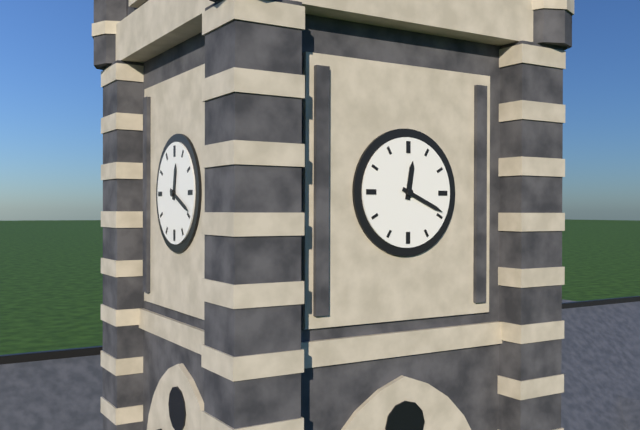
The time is **12:19**
